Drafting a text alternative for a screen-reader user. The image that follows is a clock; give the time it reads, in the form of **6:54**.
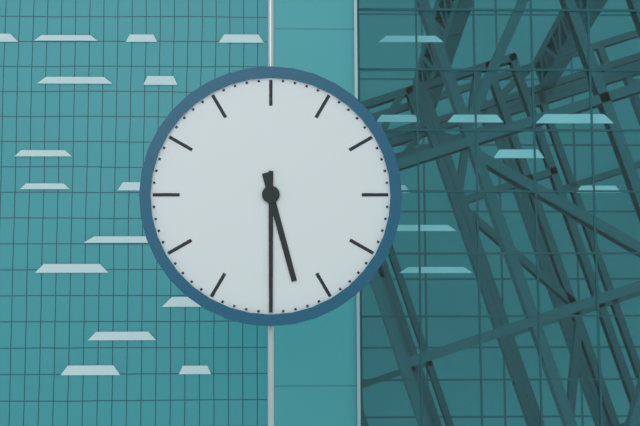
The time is **5:30**
